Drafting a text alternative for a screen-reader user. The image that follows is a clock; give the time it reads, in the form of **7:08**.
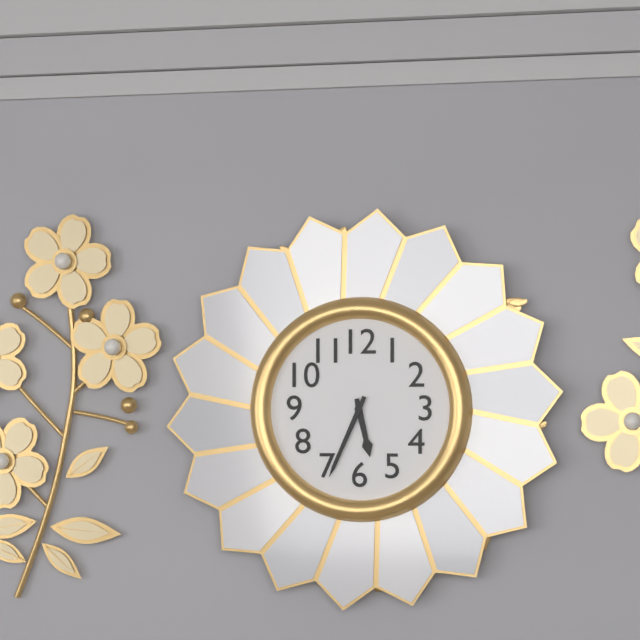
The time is **5:34**
